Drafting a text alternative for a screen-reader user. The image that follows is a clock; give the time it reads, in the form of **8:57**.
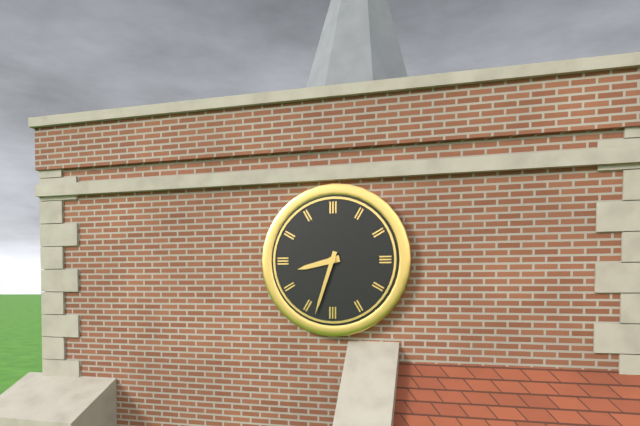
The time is **8:33**
